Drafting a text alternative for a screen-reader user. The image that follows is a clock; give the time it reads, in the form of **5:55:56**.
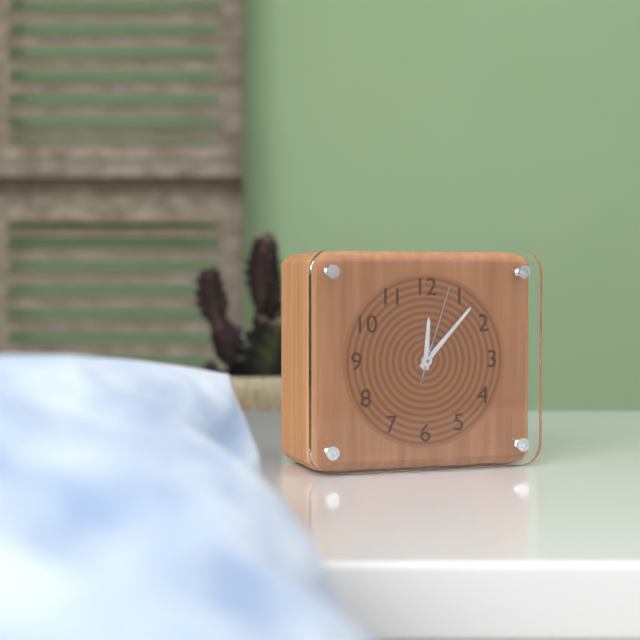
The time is **12:07:03**
